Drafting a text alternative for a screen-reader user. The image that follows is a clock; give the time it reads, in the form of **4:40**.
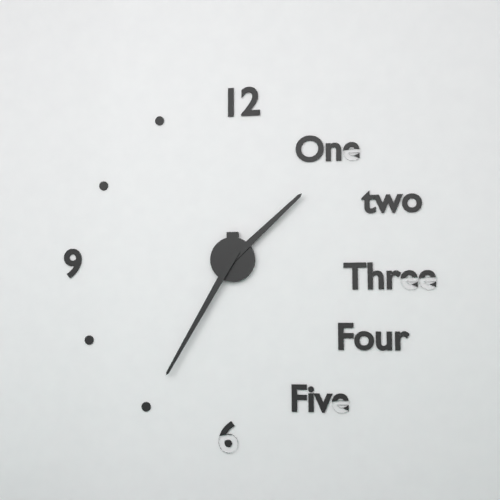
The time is **1:35**
